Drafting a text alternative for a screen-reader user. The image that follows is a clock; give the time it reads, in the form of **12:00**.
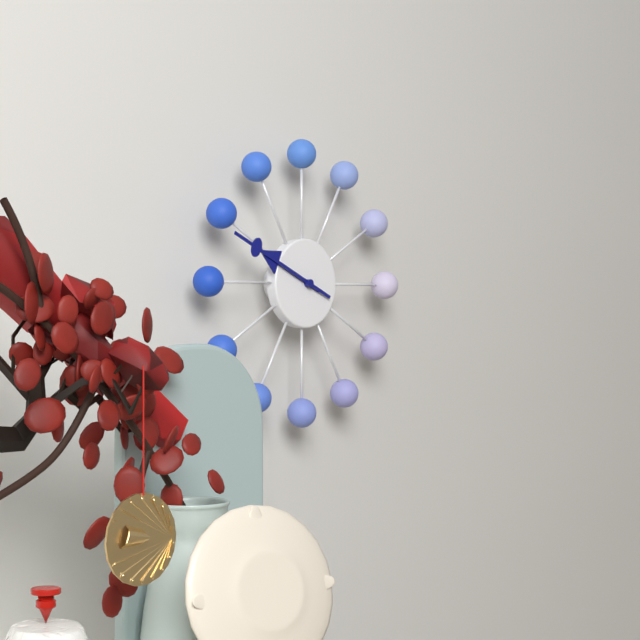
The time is **9:49**
